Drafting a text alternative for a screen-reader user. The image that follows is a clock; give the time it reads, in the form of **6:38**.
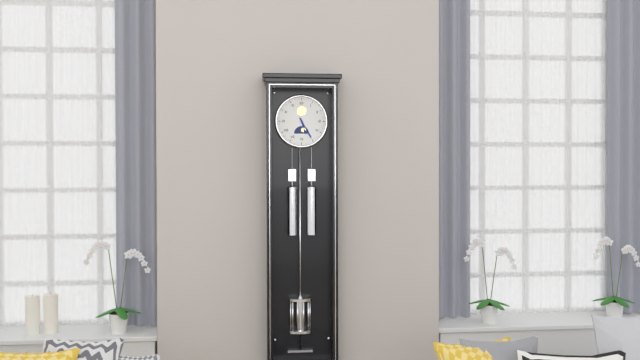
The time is **5:25**
